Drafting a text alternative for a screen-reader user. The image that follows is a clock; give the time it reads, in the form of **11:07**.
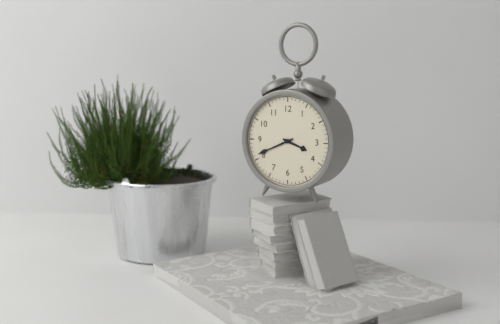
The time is **3:41**
